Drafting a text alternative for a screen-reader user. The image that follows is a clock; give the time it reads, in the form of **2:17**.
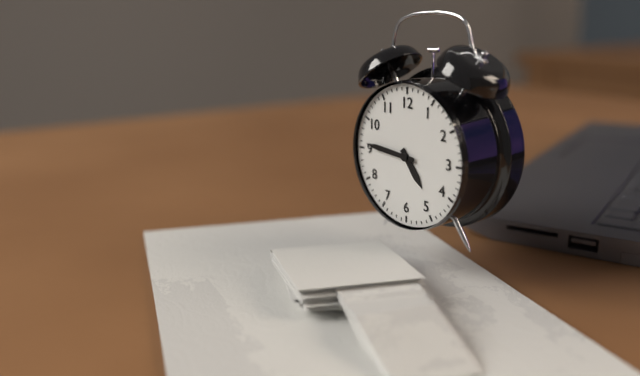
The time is **4:46**
